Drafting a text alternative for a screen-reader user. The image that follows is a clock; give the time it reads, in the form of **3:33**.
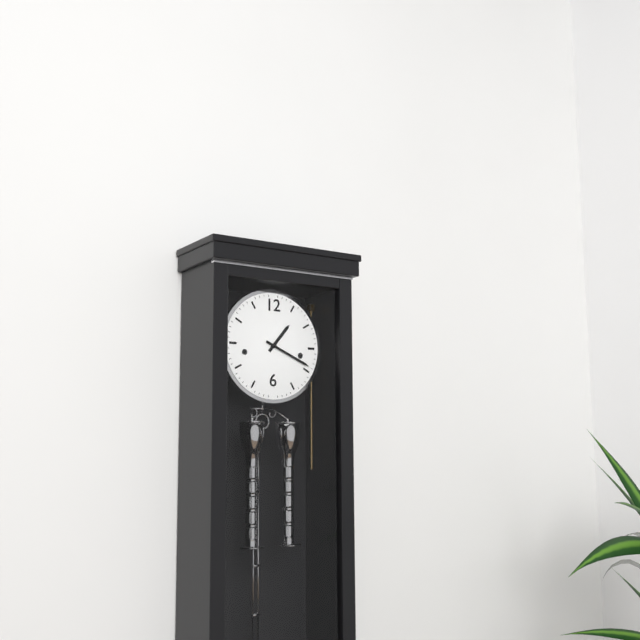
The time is **1:19**
